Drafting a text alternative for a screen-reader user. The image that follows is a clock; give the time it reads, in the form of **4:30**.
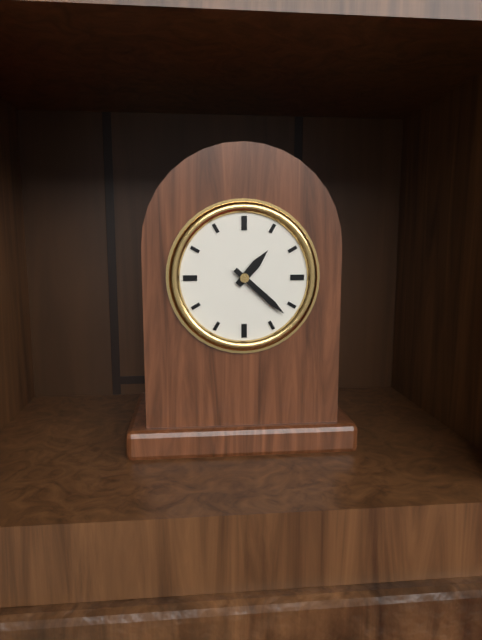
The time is **1:22**
